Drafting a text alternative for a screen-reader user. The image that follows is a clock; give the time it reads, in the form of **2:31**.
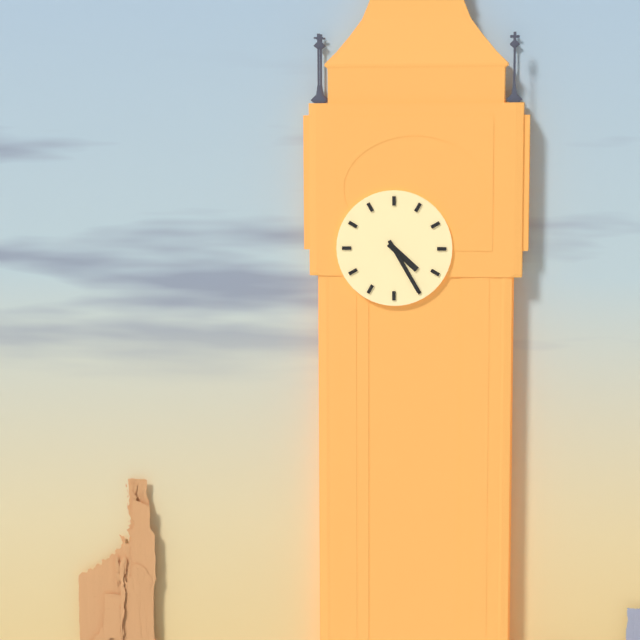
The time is **4:25**
